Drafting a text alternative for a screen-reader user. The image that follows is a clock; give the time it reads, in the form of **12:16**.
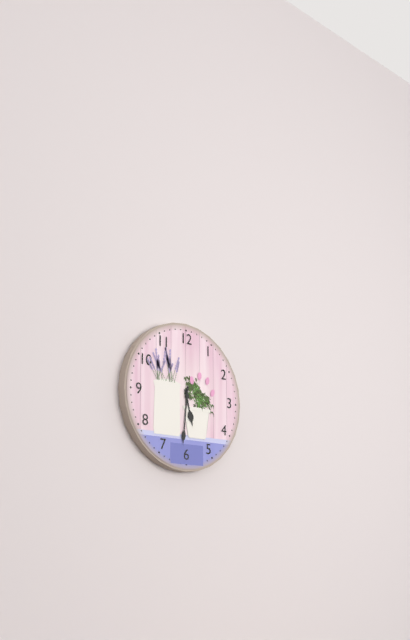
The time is **5:31**
